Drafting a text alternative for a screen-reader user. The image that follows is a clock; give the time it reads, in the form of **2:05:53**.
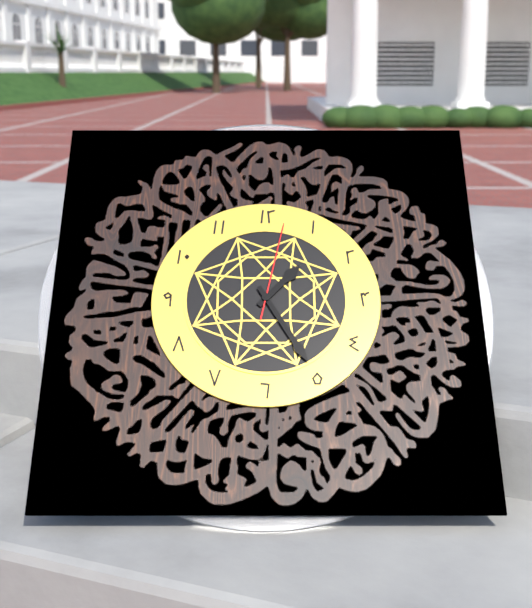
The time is **1:25:02**
